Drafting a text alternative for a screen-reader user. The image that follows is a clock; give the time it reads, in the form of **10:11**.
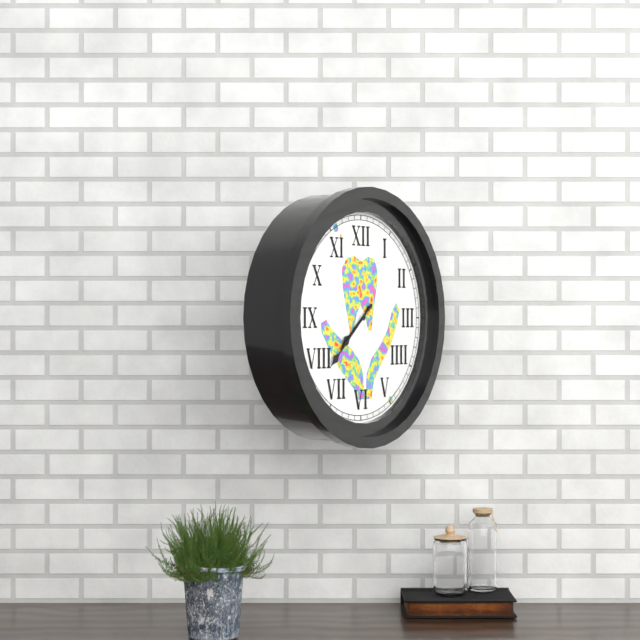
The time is **7:38**
